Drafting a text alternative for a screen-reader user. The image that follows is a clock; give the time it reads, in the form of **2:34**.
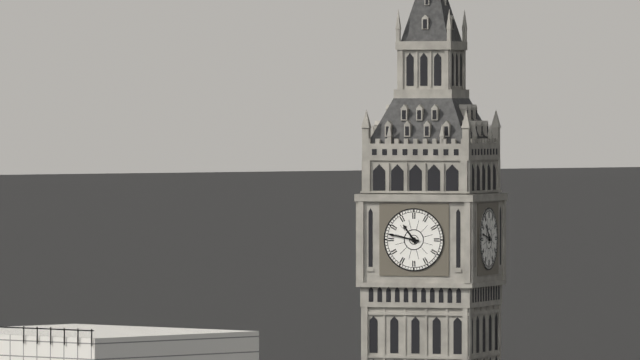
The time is **10:47**
